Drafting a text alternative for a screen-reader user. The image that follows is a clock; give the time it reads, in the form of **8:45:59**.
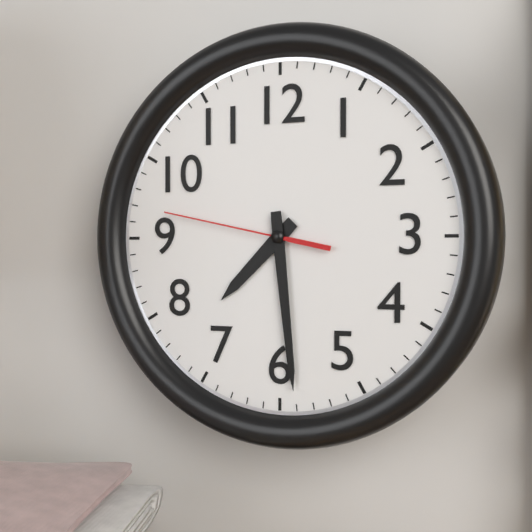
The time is **7:29:47**
